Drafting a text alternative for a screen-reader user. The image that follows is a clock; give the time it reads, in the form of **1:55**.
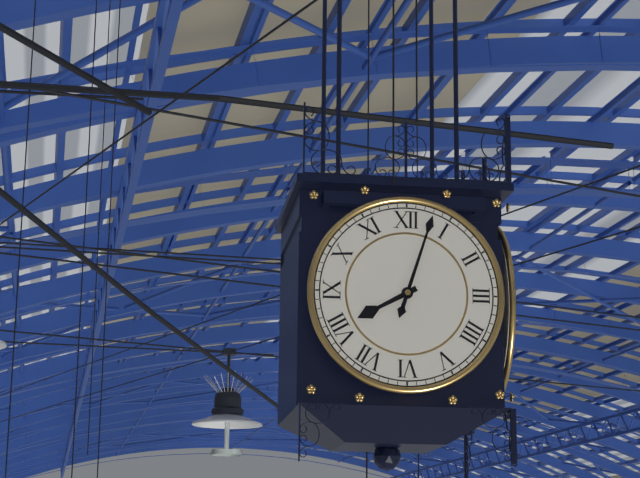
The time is **8:03**
